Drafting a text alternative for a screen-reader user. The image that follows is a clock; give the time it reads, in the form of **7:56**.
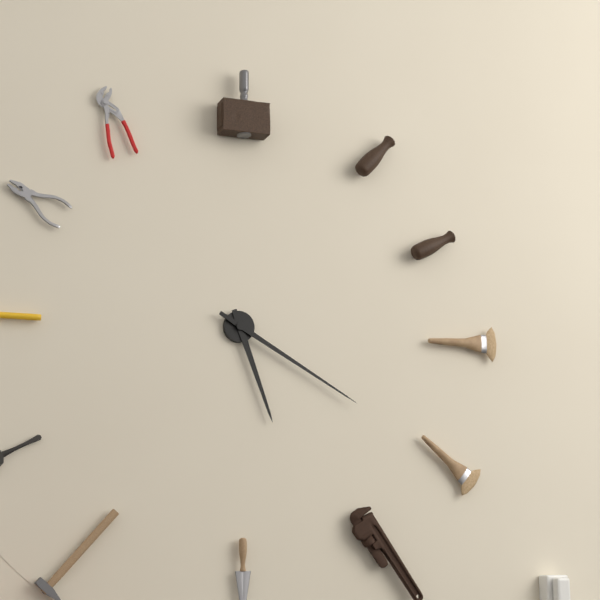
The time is **5:20**
